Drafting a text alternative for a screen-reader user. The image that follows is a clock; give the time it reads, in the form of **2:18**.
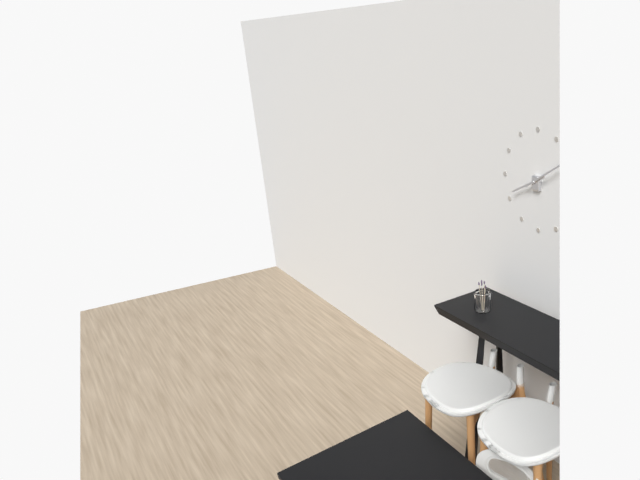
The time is **8:10**
